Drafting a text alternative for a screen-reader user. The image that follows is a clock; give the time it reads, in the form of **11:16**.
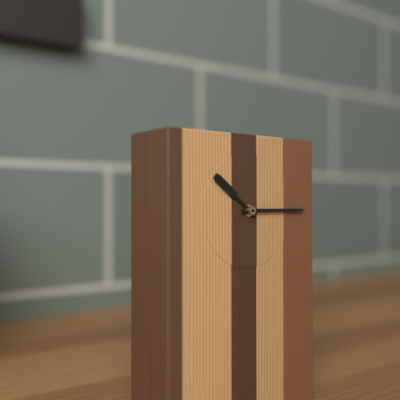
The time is **10:15**
